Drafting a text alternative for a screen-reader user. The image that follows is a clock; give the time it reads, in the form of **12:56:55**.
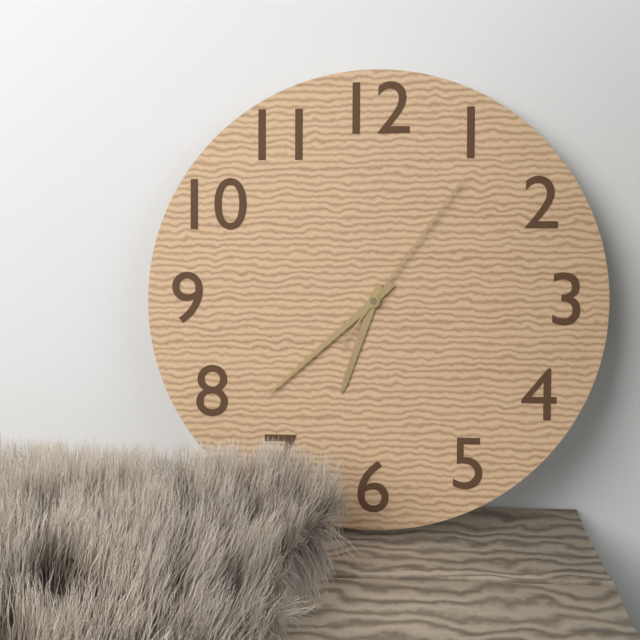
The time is **6:38:06**
